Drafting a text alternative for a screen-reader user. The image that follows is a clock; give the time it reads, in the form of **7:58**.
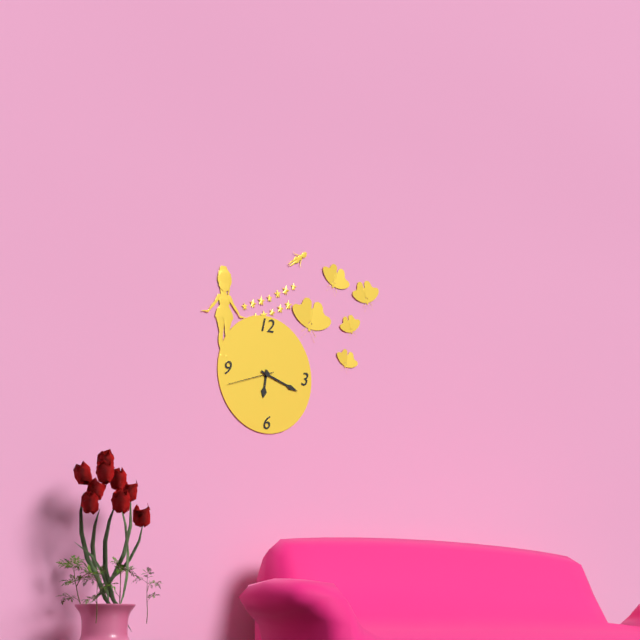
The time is **6:18**
